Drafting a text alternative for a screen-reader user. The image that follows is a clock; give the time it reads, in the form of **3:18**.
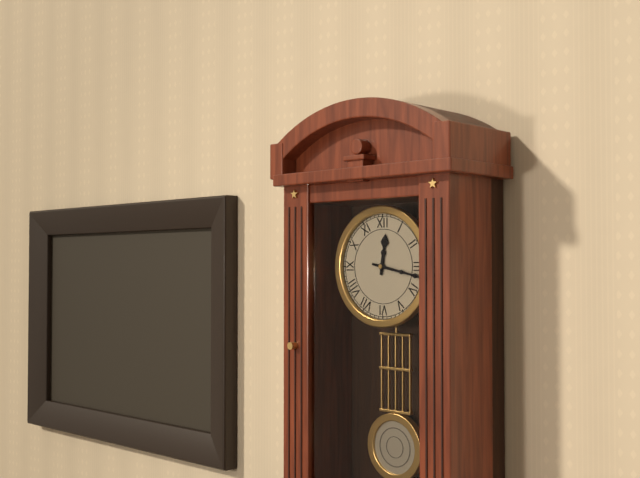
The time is **12:17**
